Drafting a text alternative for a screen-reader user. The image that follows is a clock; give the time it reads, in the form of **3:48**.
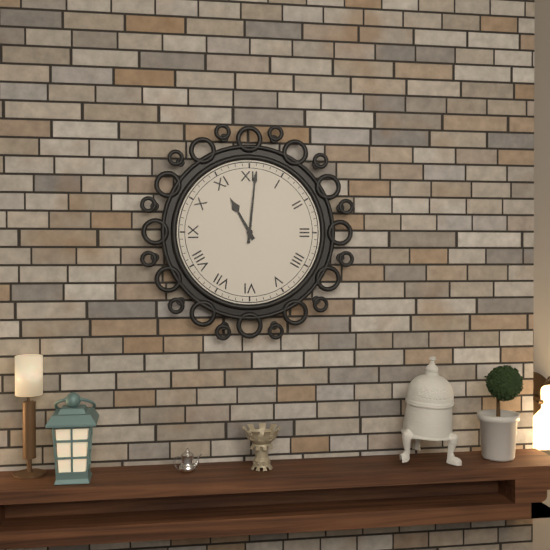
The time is **11:01**
